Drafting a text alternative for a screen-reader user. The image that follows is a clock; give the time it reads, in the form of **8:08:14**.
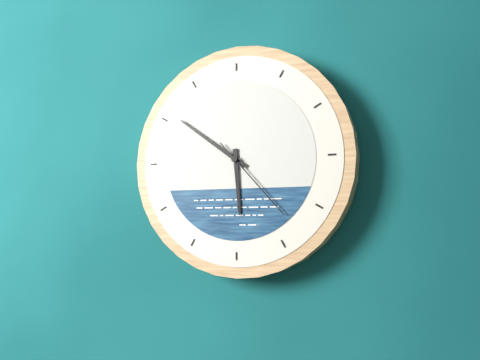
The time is **5:51:23**
